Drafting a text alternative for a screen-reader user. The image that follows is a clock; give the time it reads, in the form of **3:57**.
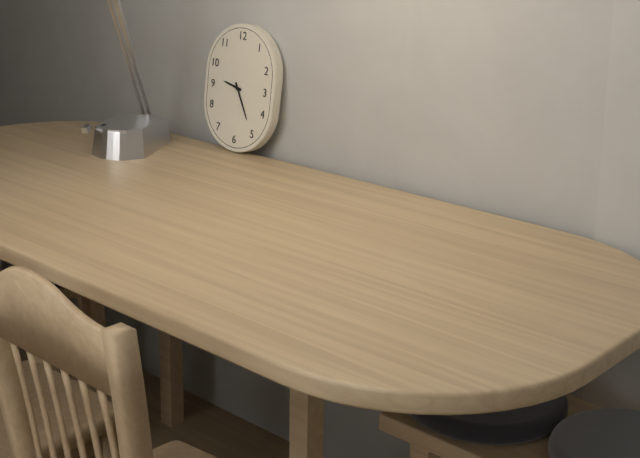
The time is **9:25**
